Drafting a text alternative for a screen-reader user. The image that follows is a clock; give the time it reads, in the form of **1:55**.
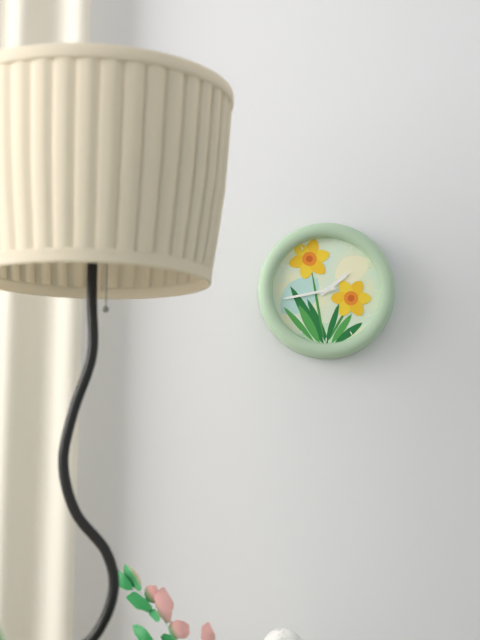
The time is **1:43**
